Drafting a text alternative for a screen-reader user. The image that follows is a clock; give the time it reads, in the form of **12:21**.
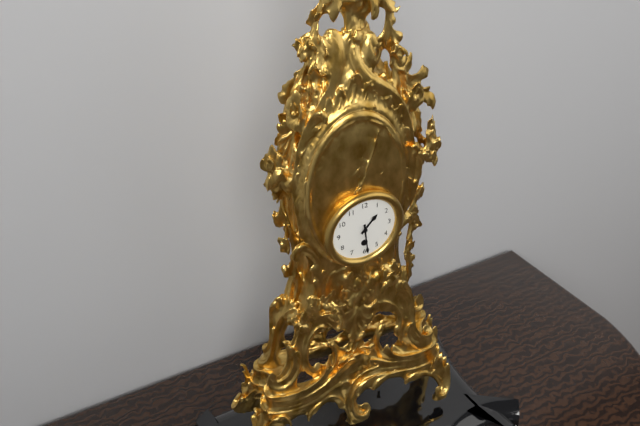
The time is **1:29**
